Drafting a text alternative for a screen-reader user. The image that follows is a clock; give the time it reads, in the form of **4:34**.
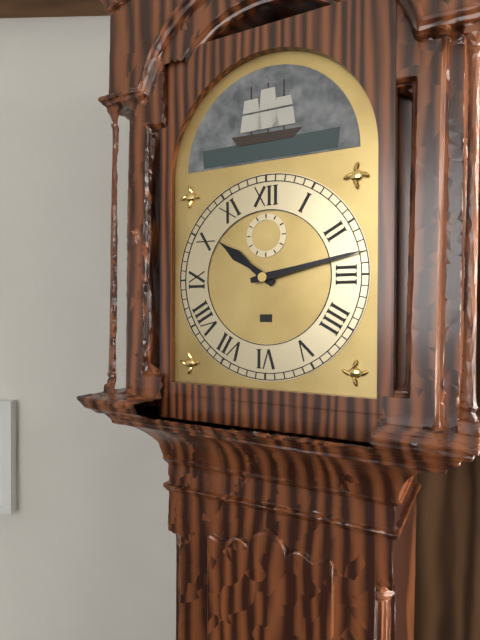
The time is **10:13**
